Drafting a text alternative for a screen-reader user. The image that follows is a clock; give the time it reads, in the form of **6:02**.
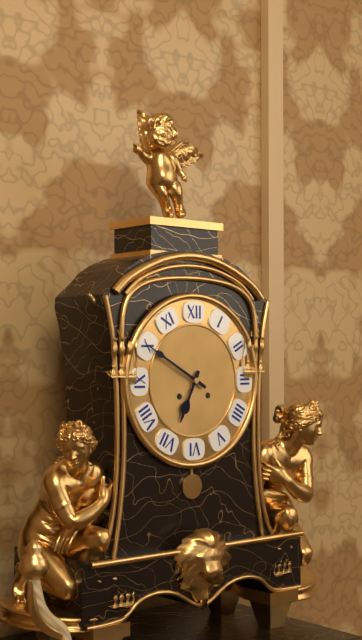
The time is **6:50**
